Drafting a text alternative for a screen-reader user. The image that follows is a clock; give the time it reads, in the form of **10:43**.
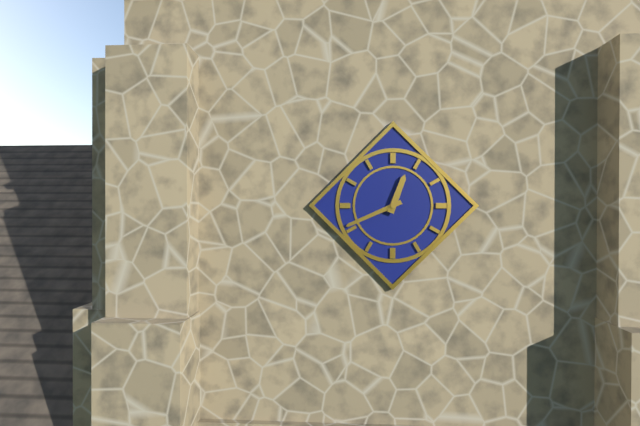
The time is **12:41**
